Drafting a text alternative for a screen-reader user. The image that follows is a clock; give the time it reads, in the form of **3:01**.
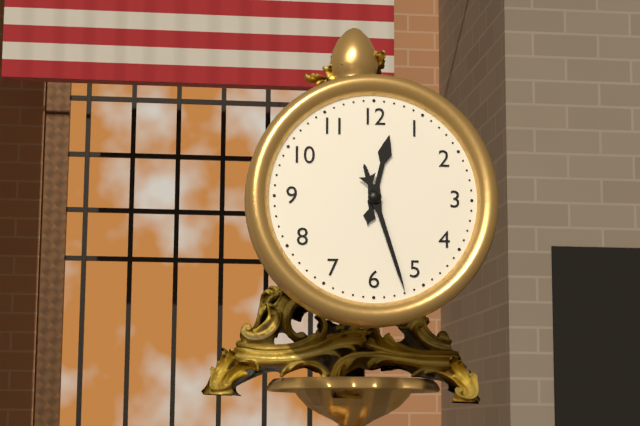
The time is **12:27**
